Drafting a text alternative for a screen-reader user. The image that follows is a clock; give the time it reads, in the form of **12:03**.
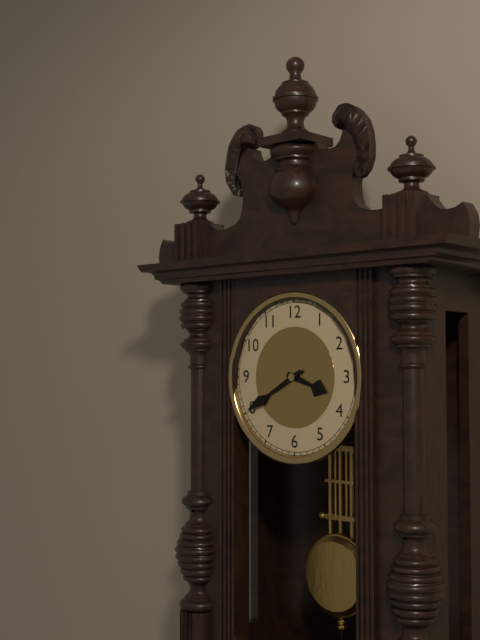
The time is **3:40**
